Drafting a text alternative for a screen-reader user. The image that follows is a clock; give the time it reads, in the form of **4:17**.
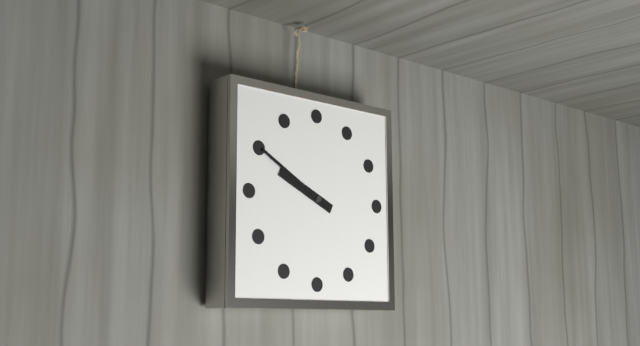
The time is **9:50**
